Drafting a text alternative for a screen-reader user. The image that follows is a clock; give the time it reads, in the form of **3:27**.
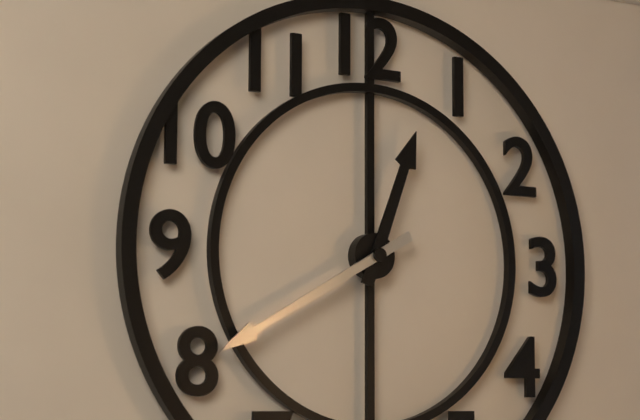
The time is **12:40**
